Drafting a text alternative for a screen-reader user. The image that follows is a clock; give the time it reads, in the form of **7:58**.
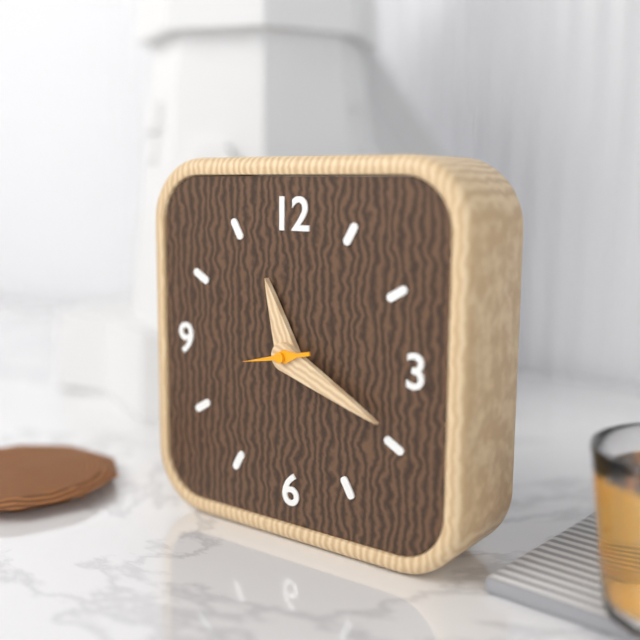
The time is **11:19**
